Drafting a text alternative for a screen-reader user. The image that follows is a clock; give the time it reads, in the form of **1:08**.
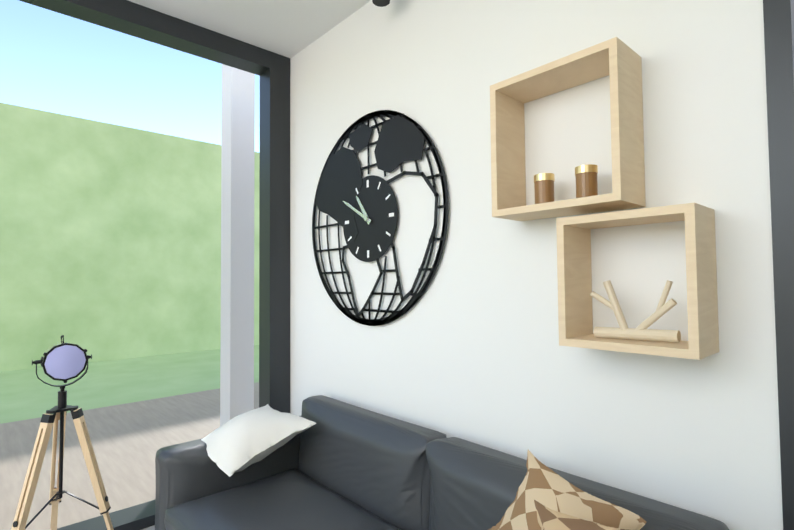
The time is **10:50**
